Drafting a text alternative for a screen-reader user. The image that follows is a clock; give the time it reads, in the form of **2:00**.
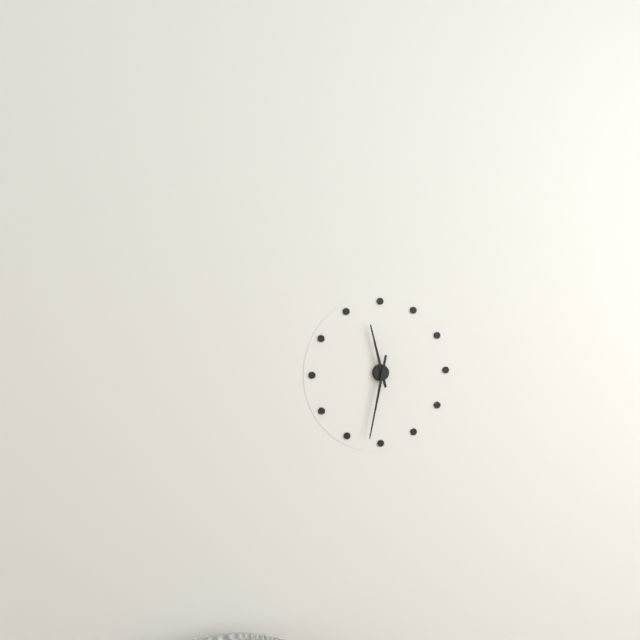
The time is **11:32**
